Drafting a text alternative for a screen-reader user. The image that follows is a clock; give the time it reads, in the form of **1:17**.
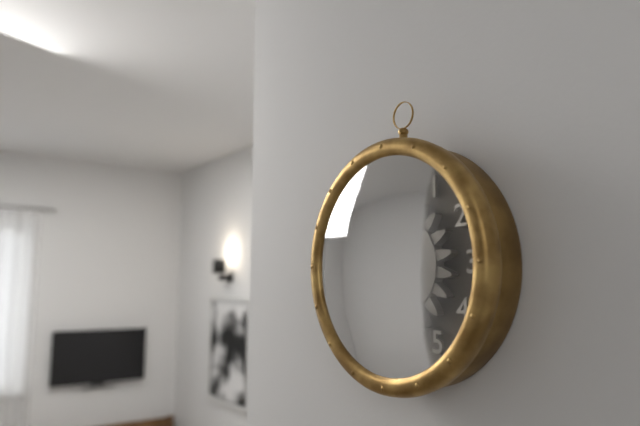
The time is **5:52**
